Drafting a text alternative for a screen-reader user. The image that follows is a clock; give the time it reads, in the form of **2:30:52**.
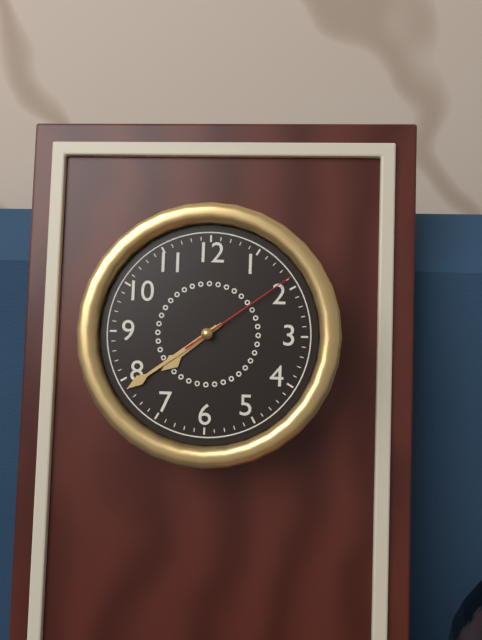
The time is **7:39:09**
